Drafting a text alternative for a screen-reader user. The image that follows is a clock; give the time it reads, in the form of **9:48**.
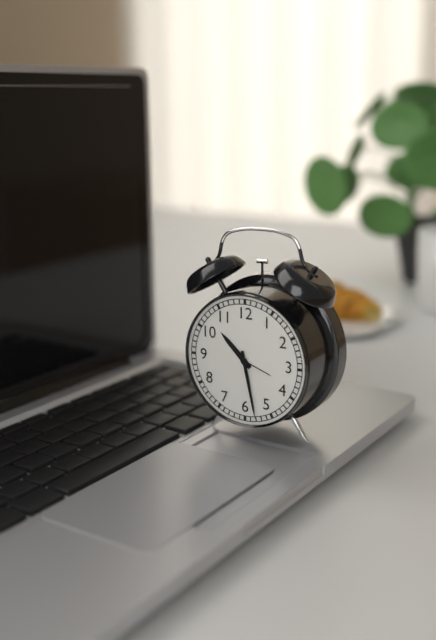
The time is **10:28**
